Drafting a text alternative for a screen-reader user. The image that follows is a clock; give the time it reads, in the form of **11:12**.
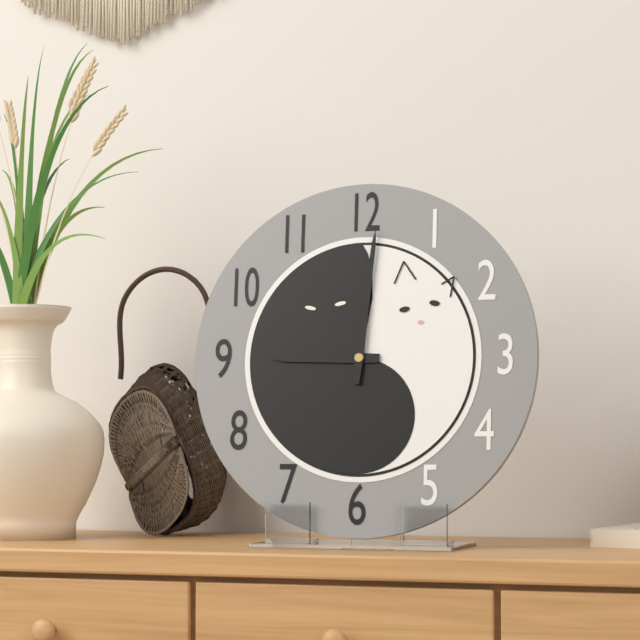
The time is **9:01**
